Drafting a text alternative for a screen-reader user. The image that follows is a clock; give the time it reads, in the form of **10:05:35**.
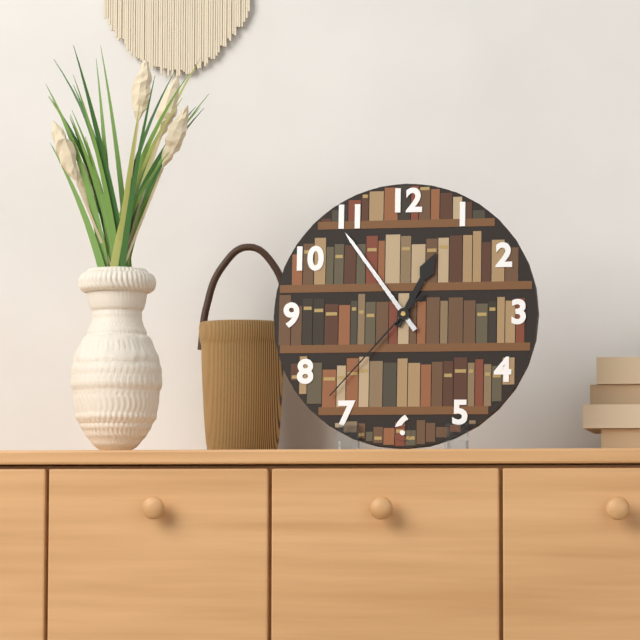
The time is **12:54:37**
